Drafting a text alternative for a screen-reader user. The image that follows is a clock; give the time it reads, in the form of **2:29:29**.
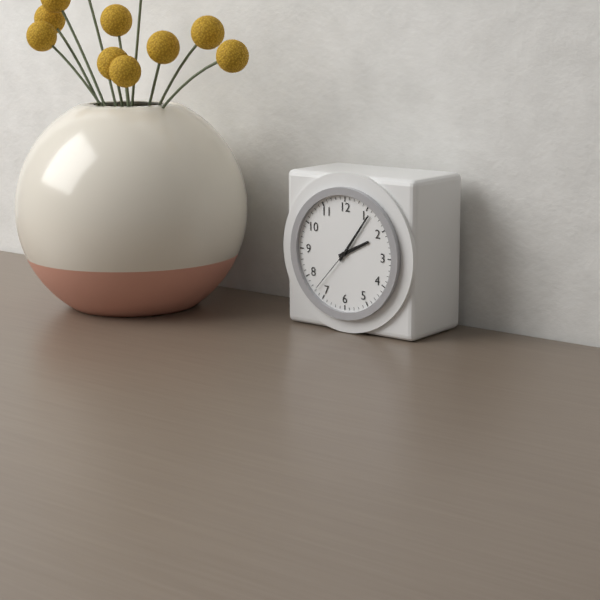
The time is **2:06:37**
